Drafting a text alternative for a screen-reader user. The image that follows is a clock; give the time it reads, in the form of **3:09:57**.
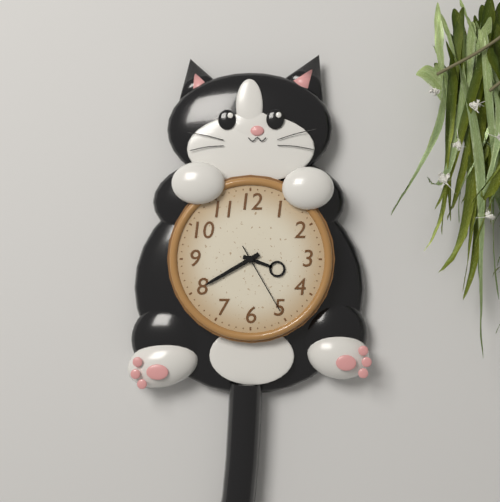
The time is **3:40:25**
